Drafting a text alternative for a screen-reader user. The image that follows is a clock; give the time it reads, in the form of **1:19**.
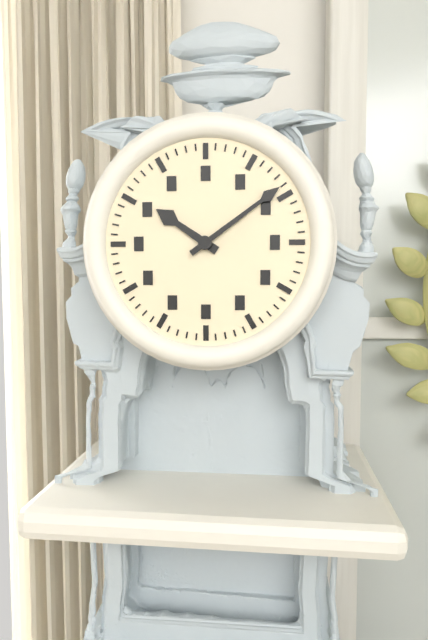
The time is **10:09**
